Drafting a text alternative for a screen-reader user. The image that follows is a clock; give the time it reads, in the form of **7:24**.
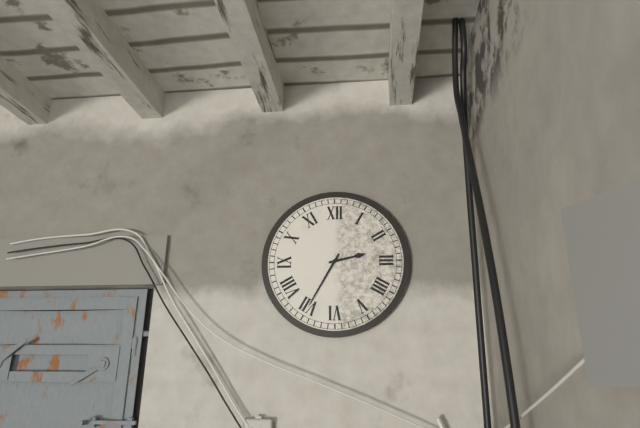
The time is **2:35**
